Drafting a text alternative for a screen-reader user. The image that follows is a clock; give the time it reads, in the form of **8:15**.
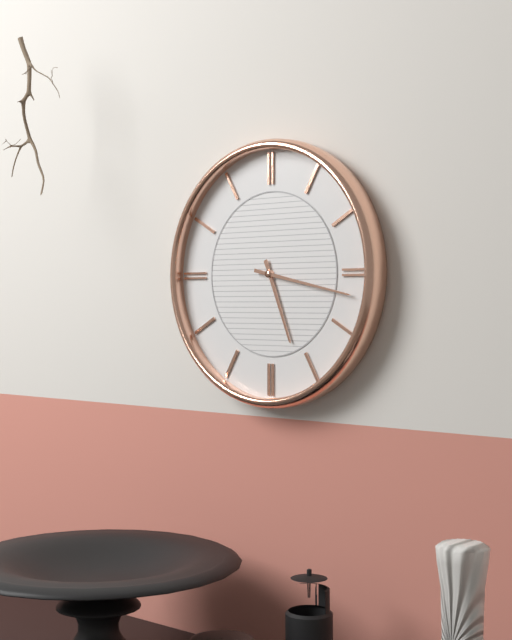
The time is **5:17**
